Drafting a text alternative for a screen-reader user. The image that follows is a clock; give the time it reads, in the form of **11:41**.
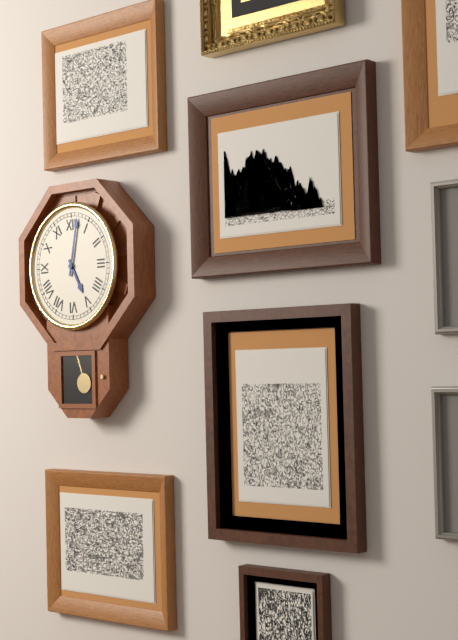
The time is **5:02**
